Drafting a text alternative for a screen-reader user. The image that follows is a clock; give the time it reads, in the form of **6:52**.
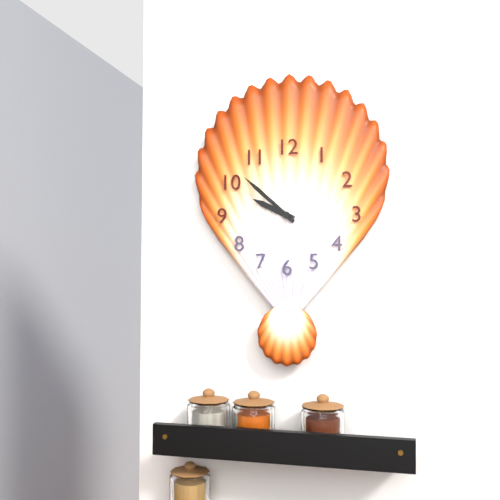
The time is **9:52**
